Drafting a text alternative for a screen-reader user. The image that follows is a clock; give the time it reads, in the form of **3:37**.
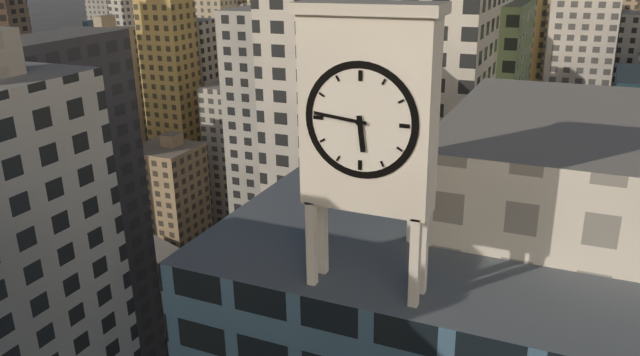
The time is **5:46**
